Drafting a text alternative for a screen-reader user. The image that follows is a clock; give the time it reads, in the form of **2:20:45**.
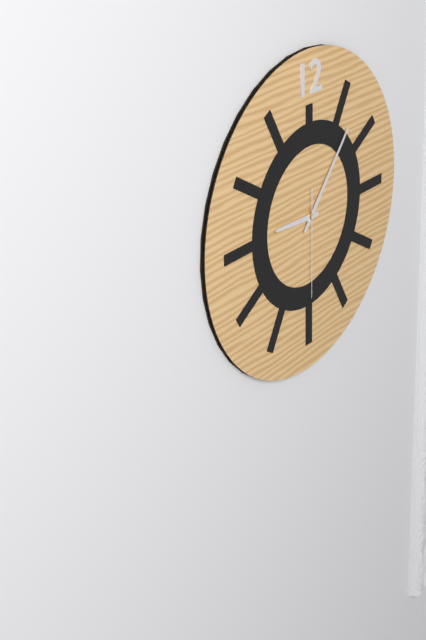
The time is **9:07:30**
